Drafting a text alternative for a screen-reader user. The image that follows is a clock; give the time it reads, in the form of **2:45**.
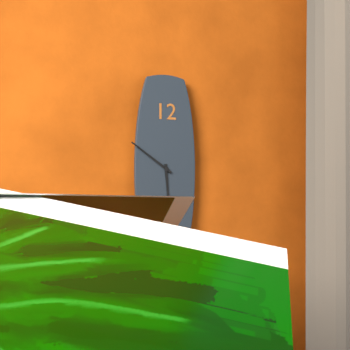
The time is **5:51**
